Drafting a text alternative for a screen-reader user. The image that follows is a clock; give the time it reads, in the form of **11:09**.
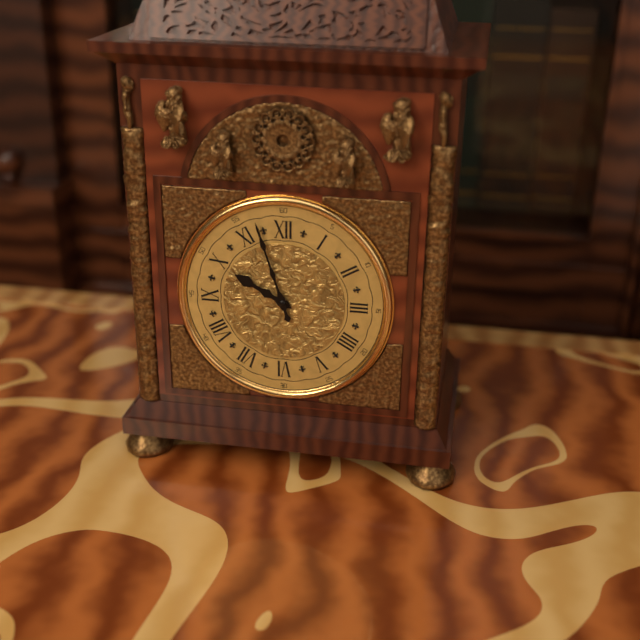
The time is **9:57**
